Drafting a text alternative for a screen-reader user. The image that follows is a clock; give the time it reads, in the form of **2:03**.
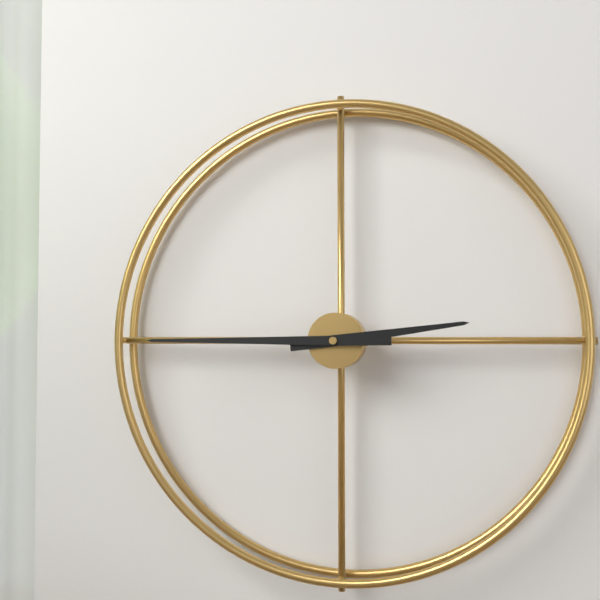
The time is **2:45**
